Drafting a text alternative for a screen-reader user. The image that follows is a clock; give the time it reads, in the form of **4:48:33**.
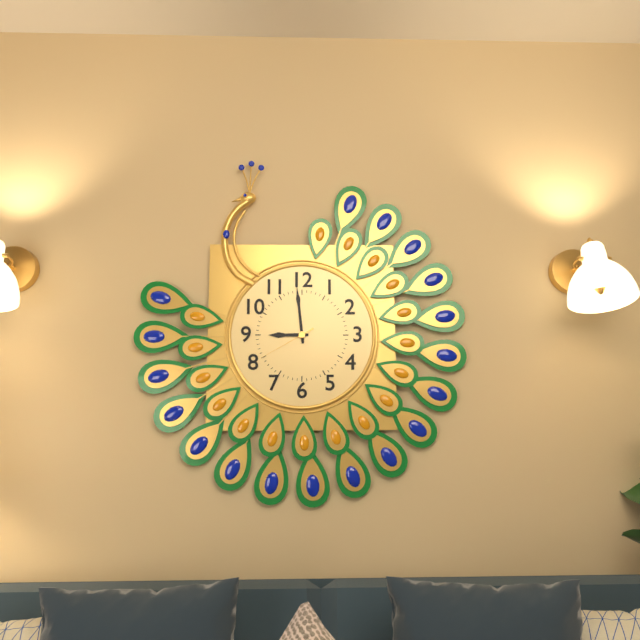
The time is **8:59:40**
